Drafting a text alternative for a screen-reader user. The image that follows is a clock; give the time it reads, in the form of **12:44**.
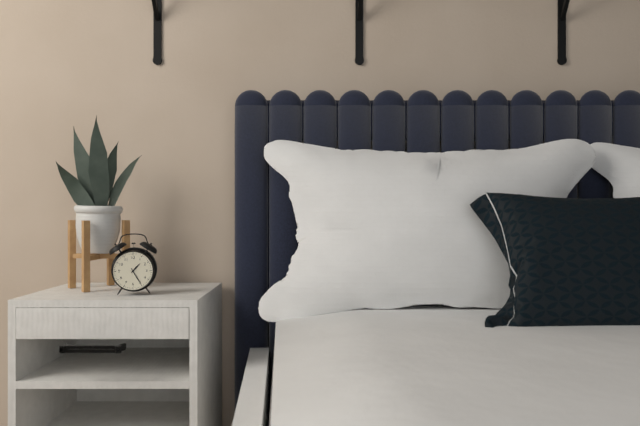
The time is **1:25**
